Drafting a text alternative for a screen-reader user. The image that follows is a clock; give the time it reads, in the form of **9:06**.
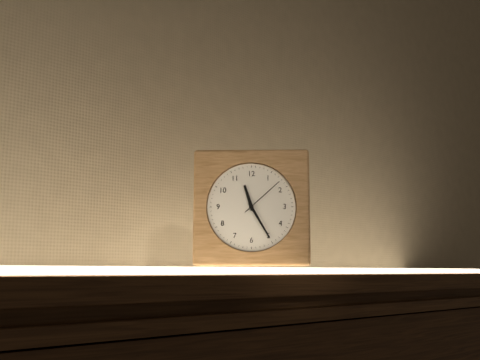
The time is **11:25**
